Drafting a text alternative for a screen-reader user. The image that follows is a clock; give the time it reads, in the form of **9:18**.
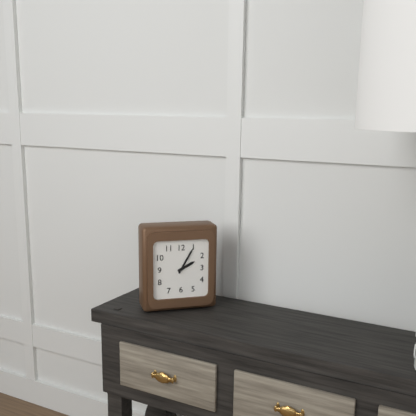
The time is **2:05**
